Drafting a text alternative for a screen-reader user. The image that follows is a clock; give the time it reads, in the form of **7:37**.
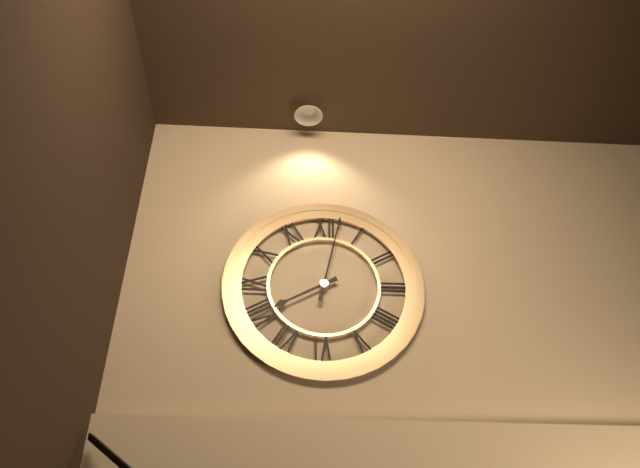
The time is **8:02**
